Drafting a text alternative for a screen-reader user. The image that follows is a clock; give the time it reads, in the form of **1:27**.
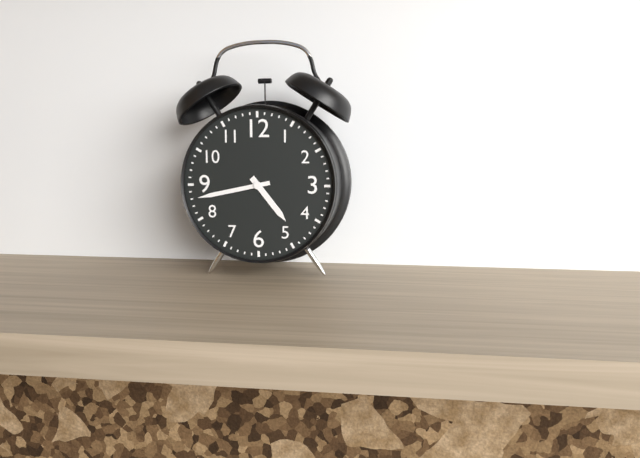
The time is **4:43**
